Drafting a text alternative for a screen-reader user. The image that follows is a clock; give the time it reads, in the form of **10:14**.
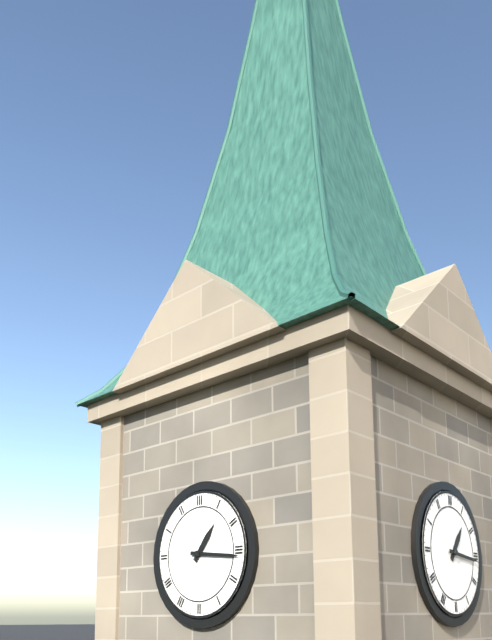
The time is **1:16**
